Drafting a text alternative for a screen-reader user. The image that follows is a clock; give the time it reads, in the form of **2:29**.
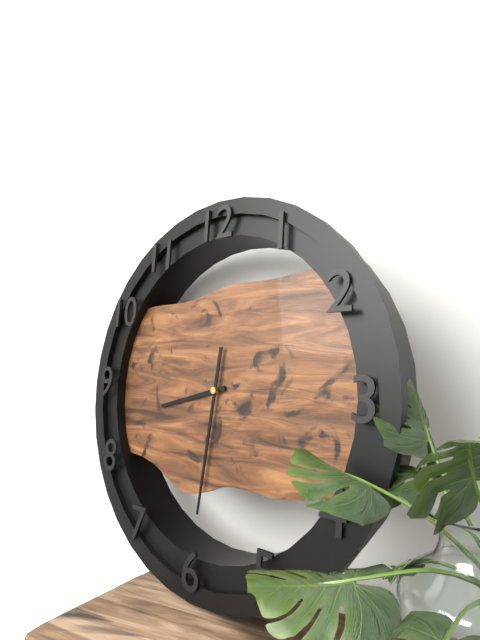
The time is **8:31**
